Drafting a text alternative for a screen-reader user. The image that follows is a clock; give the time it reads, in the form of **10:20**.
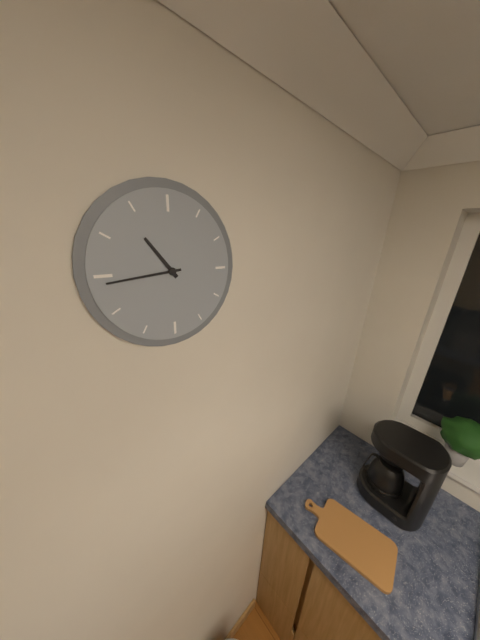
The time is **10:44**
